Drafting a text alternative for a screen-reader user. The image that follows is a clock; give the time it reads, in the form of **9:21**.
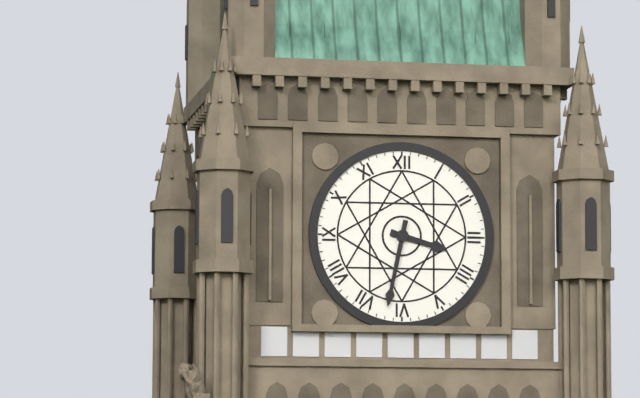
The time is **3:32**
